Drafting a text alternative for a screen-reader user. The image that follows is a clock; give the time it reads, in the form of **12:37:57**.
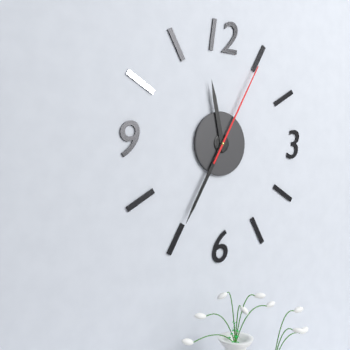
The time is **11:35:05**
